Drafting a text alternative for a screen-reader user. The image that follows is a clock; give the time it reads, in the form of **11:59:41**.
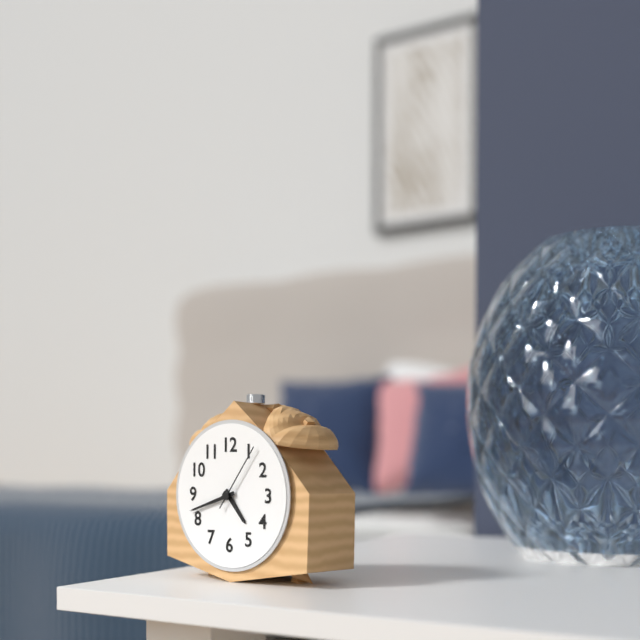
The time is **4:42:06**
